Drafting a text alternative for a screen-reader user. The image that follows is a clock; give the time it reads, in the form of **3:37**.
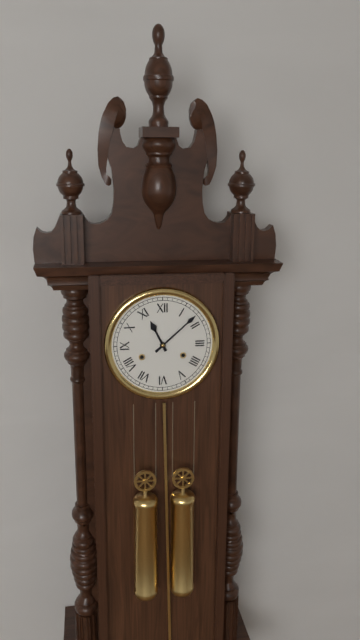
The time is **11:08**
